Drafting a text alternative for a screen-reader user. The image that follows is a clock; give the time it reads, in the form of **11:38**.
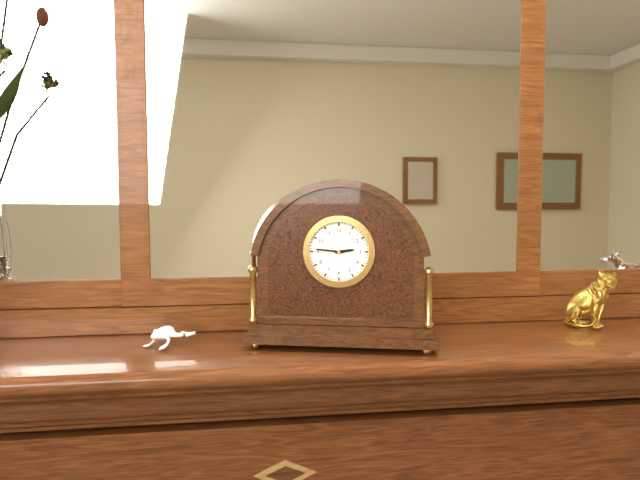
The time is **2:46**
